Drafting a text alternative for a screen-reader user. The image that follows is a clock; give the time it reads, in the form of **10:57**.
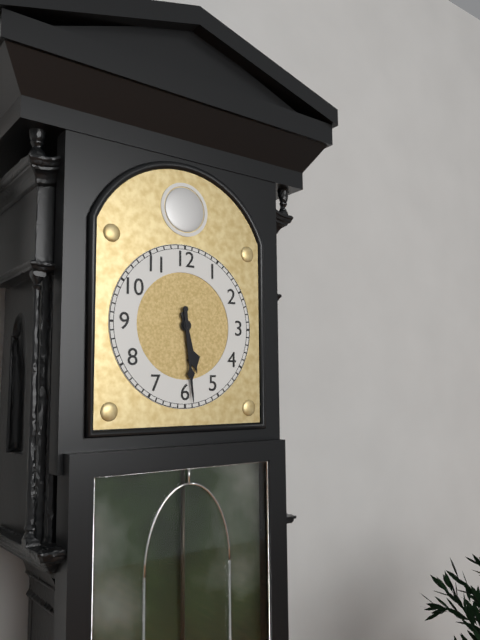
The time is **5:29**
